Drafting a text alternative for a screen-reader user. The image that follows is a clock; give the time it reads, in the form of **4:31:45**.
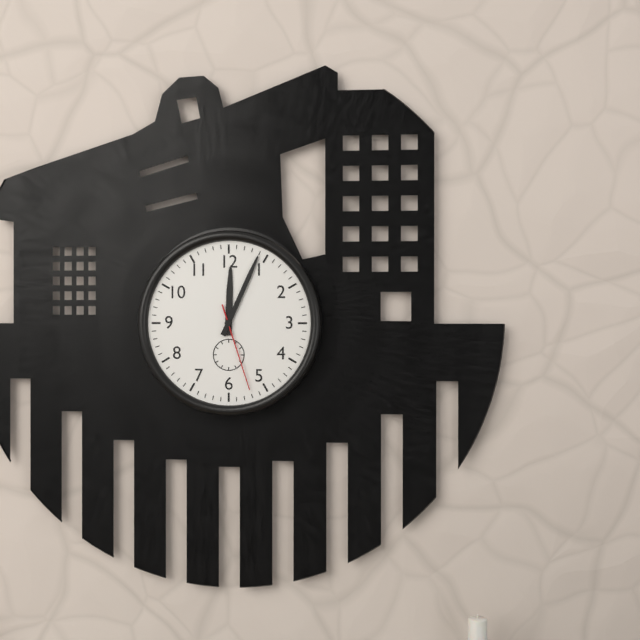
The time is **12:04:27**
